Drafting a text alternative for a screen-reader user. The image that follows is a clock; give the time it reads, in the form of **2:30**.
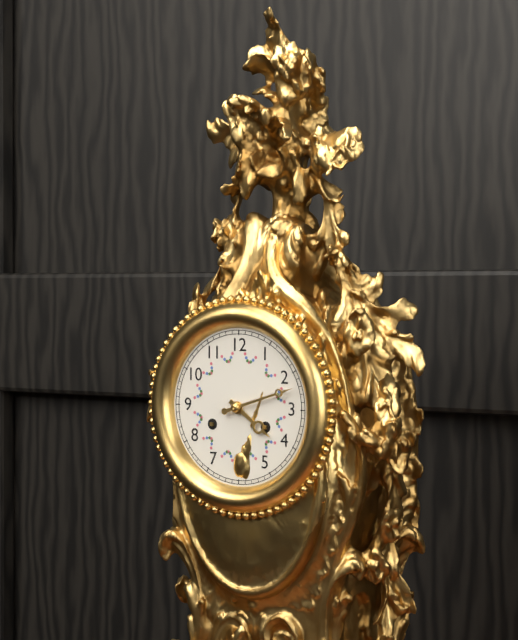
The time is **4:12**
